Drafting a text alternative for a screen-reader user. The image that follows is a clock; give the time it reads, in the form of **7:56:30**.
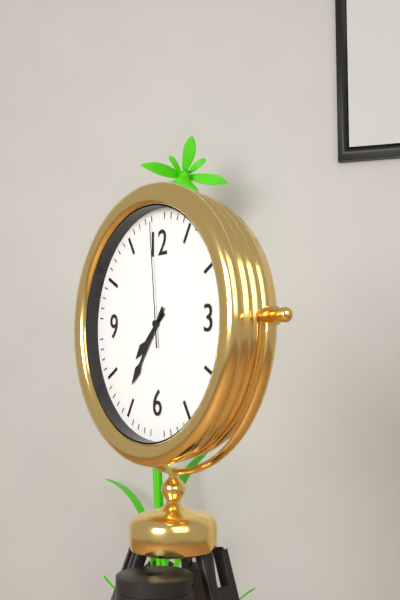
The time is **7:36:59**
